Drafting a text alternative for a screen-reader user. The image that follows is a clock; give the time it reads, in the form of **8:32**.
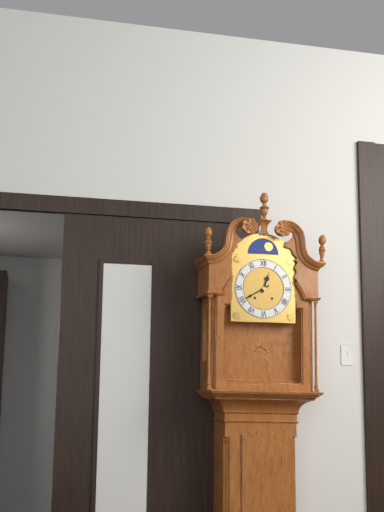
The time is **12:40**
